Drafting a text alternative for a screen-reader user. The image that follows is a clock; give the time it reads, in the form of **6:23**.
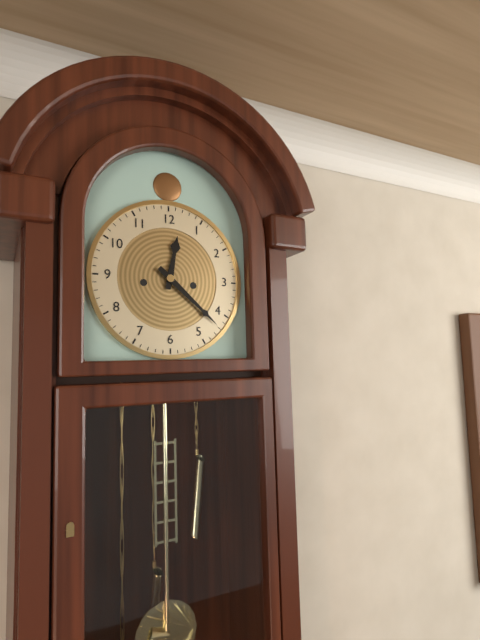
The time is **12:22**
